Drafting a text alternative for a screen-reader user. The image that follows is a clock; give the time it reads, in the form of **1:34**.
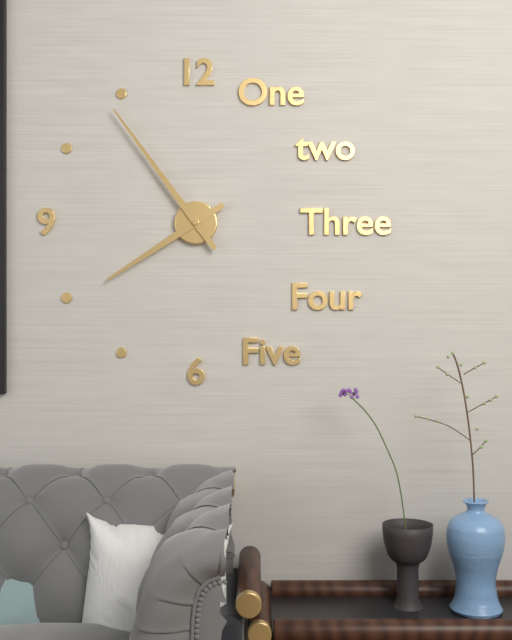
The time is **7:54**
